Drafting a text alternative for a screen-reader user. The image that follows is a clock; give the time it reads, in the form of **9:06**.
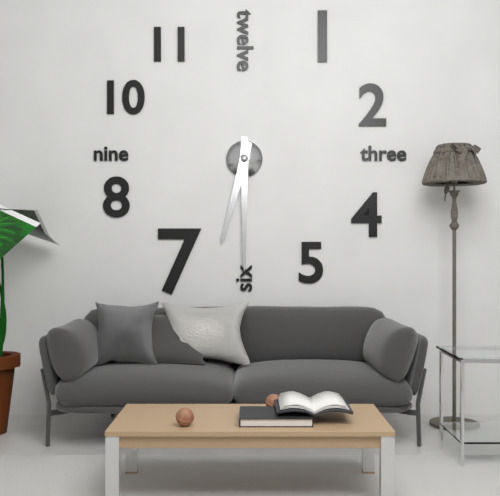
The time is **6:30**
